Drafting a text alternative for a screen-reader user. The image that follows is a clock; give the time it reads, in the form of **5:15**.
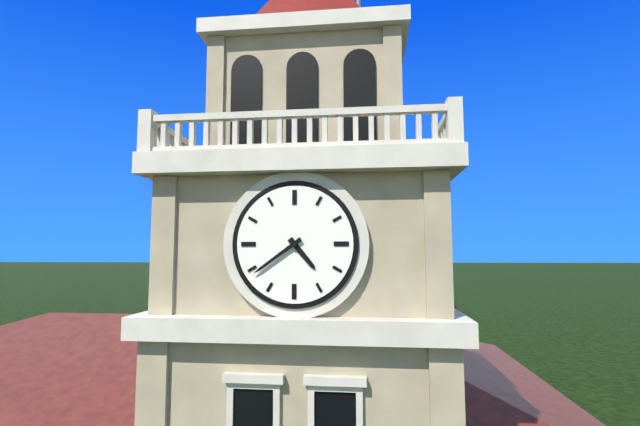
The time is **4:39**
